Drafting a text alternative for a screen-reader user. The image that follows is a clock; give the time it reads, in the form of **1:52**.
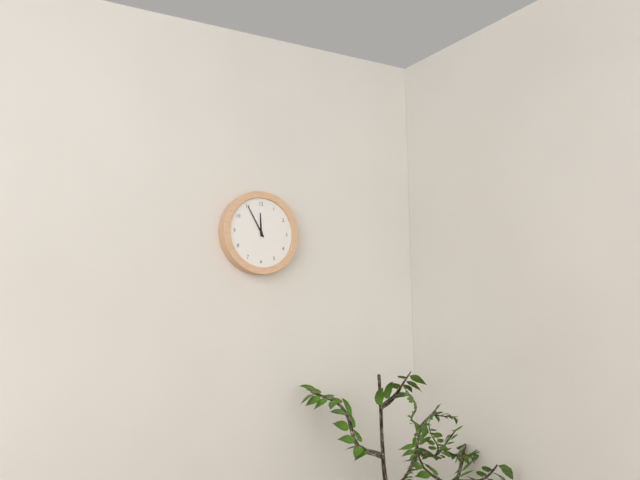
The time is **11:55**
